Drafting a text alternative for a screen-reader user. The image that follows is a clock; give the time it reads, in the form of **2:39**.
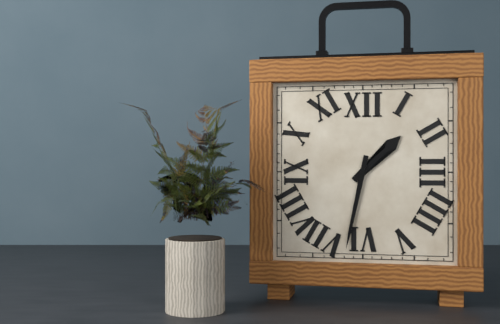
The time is **1:32**
